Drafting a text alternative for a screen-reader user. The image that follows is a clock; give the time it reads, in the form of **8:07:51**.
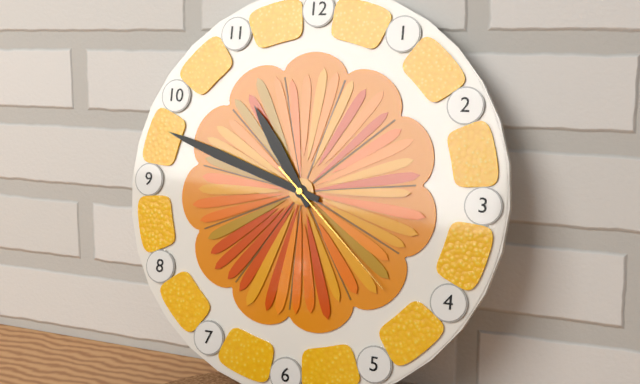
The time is **10:48:22**
